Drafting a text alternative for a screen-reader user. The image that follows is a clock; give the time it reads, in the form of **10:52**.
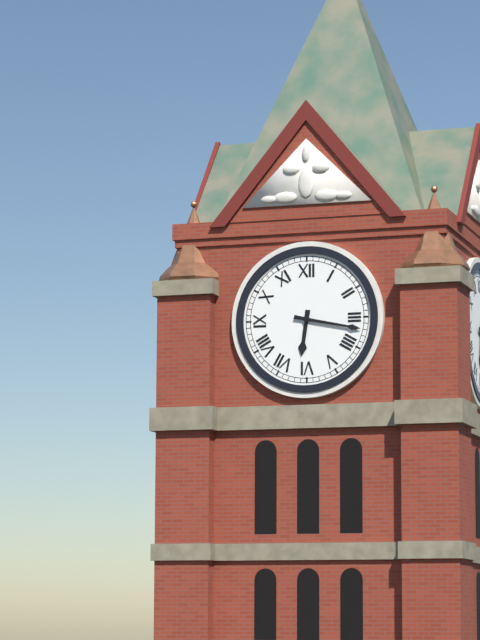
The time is **6:17**
